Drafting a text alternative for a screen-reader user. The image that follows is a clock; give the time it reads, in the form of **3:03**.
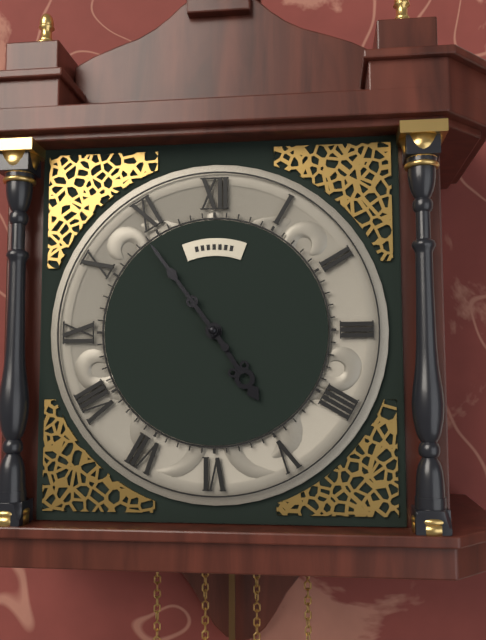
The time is **4:54**
